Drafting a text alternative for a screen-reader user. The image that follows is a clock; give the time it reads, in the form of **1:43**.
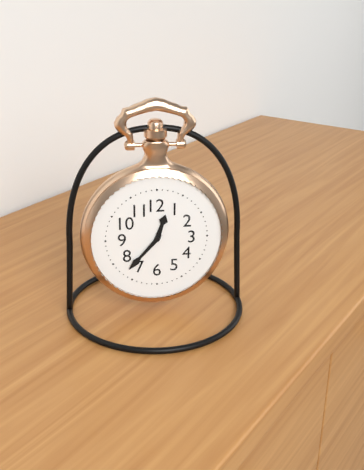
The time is **12:37**
